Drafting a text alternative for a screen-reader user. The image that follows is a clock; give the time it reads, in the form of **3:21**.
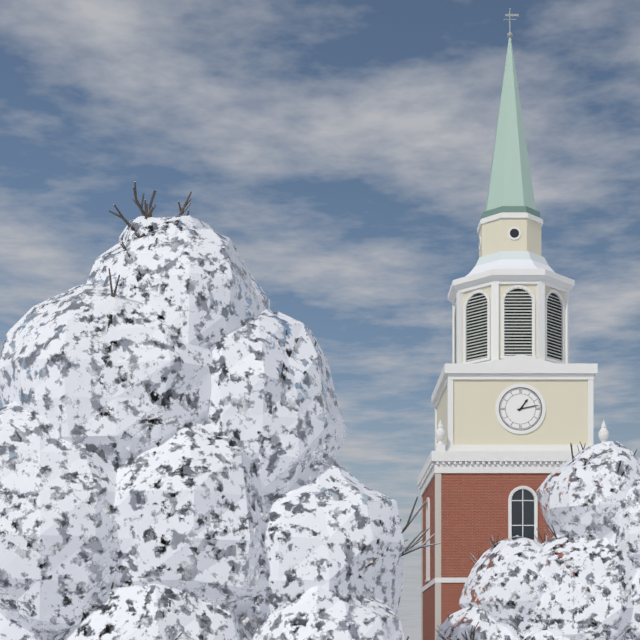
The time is **1:13**
